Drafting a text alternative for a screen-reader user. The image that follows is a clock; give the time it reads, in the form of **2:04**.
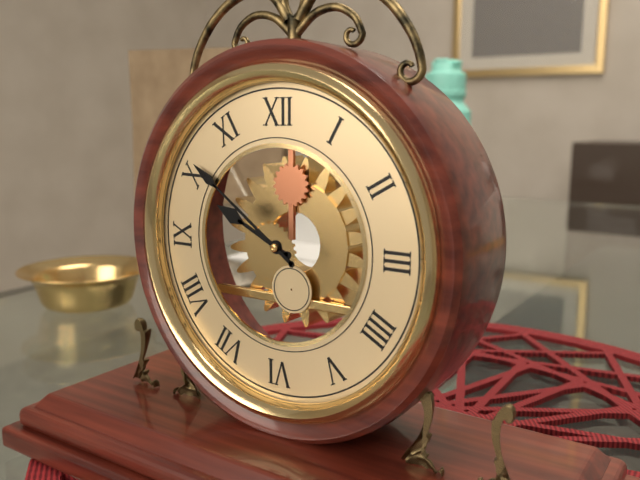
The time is **9:51**
